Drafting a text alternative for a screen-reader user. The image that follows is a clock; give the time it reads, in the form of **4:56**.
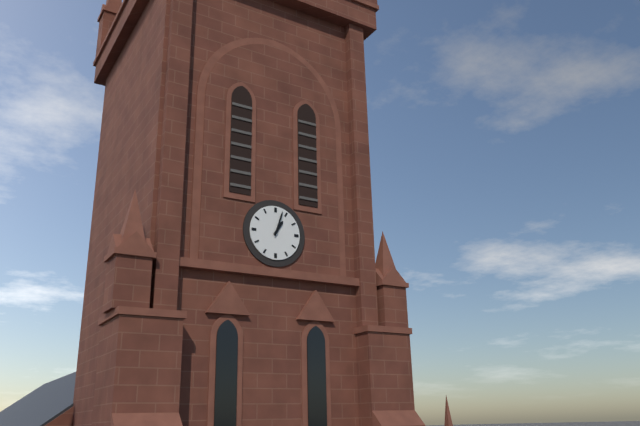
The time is **1:03**
